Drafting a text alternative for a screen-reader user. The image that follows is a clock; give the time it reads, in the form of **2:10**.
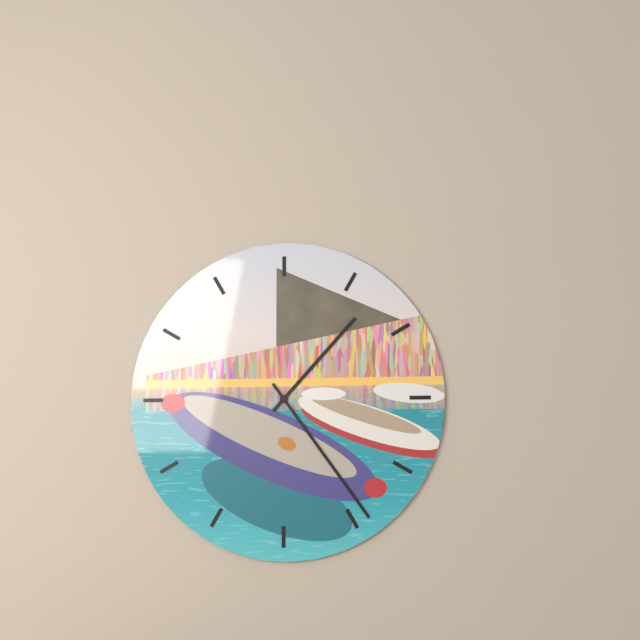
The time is **1:24**
